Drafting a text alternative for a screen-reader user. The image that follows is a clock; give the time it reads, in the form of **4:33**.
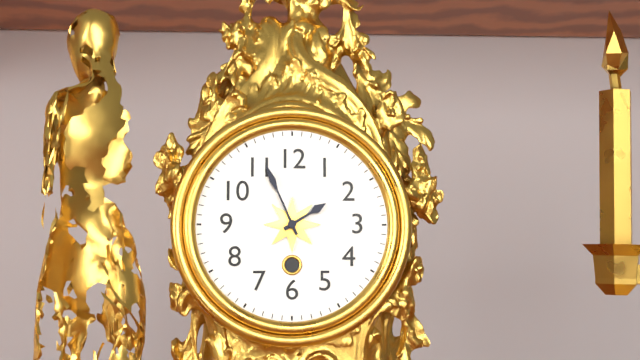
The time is **1:56**
